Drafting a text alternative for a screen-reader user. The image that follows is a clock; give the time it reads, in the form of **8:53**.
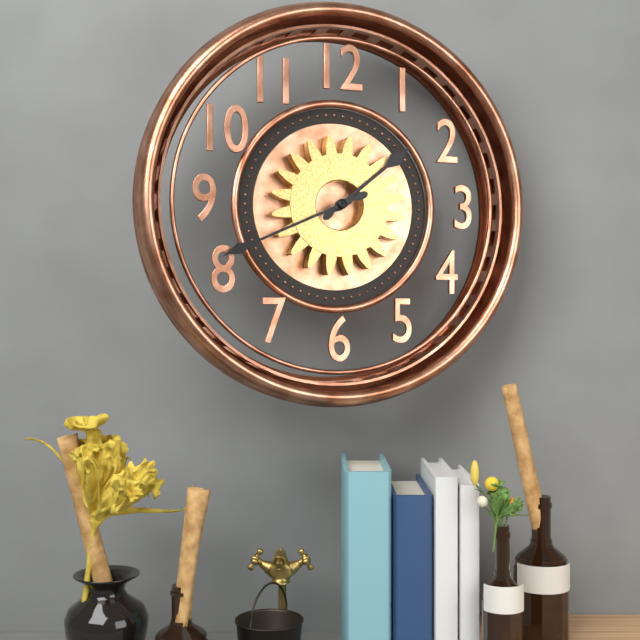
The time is **1:41**
